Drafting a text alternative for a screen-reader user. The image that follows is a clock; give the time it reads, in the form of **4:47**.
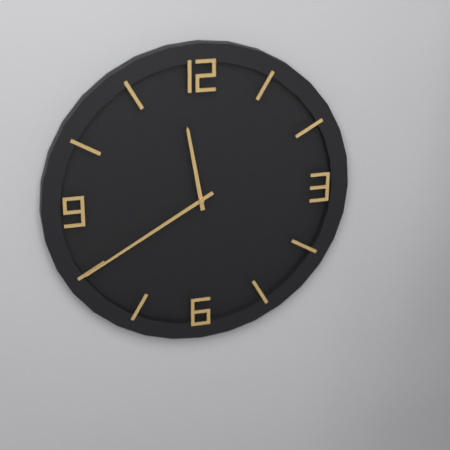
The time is **11:40**
